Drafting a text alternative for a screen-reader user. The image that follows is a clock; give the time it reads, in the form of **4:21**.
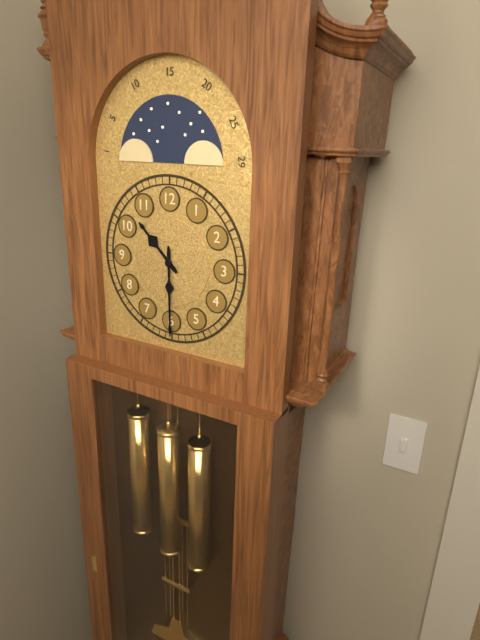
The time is **10:30**
